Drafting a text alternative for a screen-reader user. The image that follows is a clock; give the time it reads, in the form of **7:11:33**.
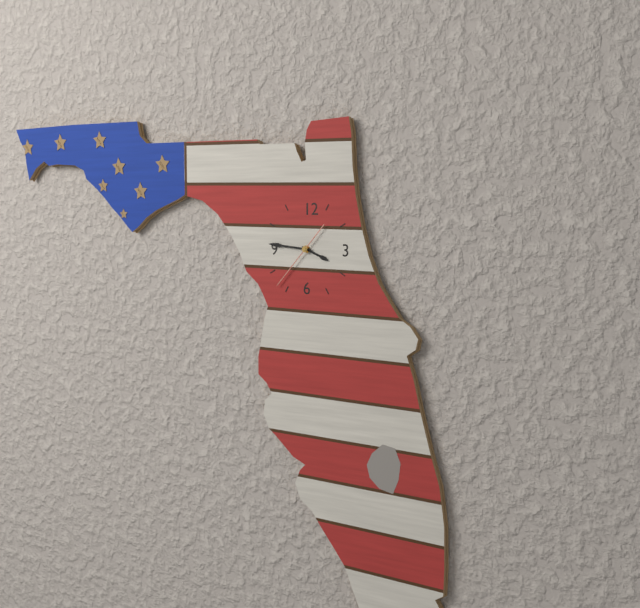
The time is **3:46:37**
